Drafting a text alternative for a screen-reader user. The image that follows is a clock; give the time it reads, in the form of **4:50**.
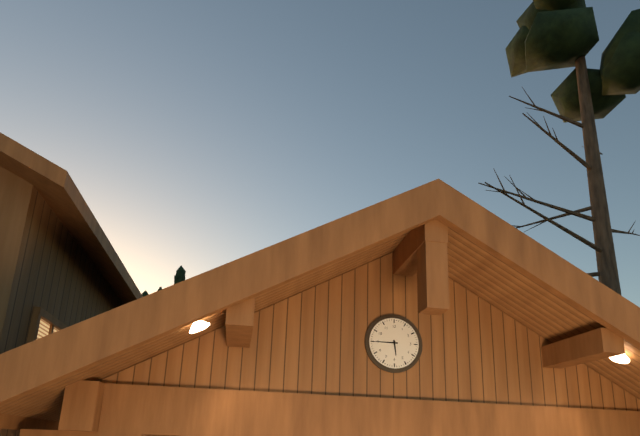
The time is **5:45**
